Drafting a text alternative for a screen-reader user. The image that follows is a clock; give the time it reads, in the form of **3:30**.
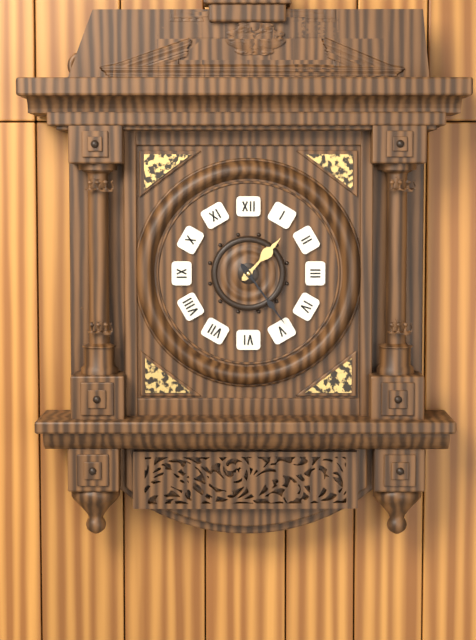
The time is **1:24**
